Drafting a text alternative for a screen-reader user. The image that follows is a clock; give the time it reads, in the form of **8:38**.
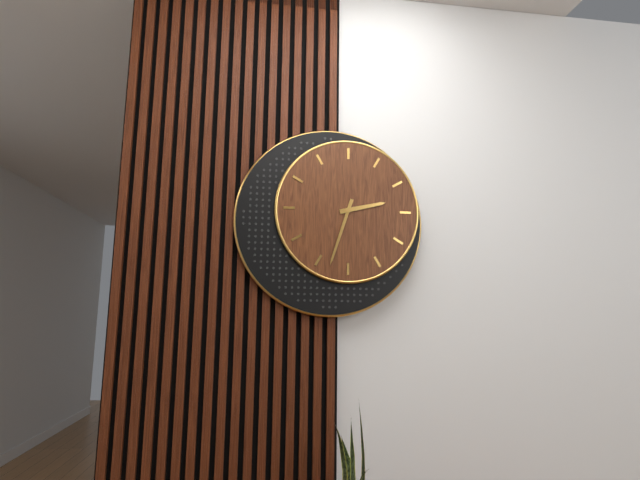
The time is **2:33**
